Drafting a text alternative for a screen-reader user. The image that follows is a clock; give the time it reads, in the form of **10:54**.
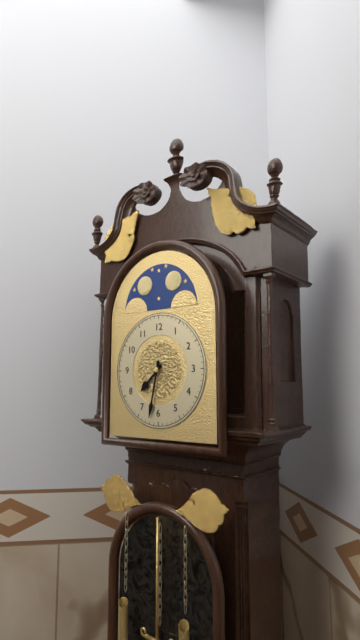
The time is **7:32**
